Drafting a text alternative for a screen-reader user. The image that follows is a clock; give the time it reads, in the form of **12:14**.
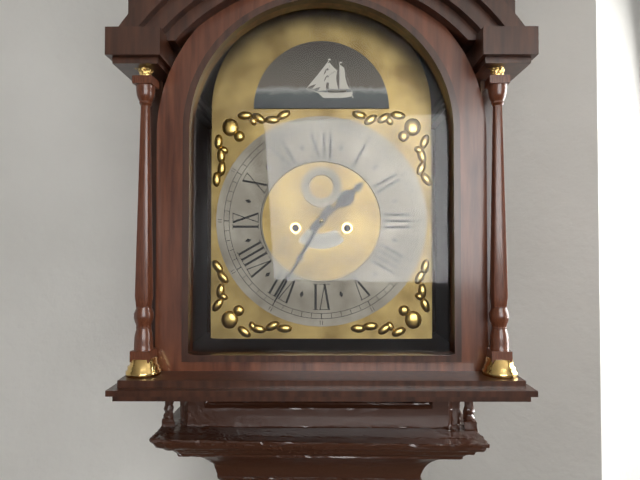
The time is **1:35**
